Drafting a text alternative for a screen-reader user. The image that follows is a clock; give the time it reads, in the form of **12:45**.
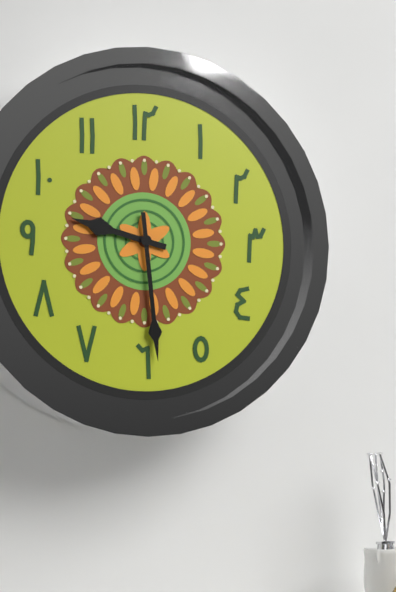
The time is **9:29**
